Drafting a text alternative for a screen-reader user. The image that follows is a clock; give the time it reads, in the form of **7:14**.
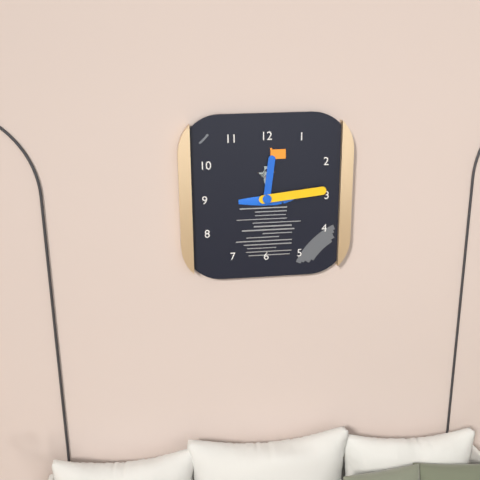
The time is **12:14**
